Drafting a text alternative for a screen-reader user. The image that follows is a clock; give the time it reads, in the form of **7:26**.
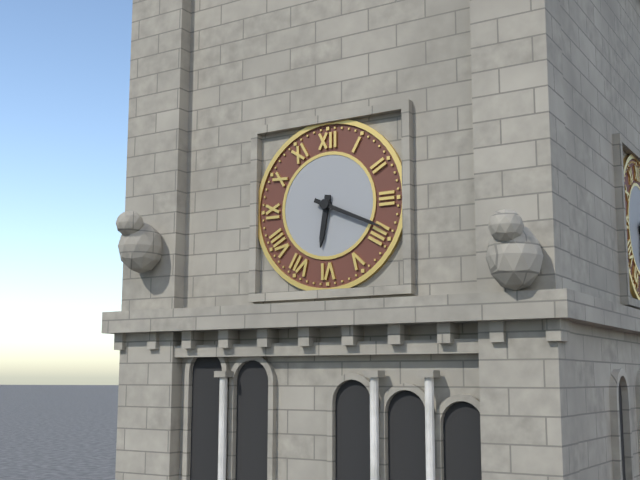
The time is **6:19**
